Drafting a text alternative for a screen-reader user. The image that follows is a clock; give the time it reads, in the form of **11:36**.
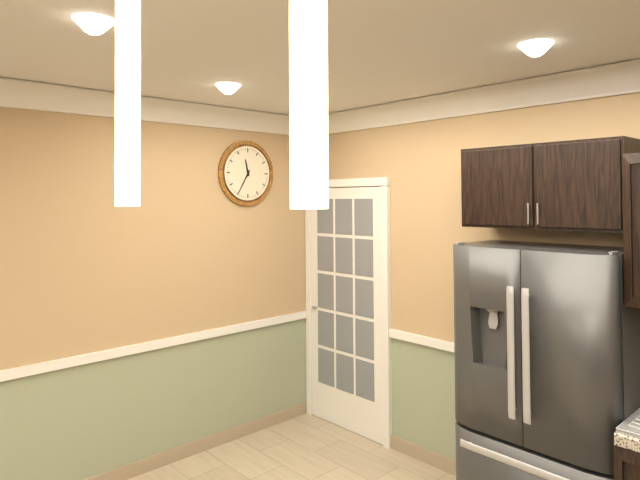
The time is **11:35**
